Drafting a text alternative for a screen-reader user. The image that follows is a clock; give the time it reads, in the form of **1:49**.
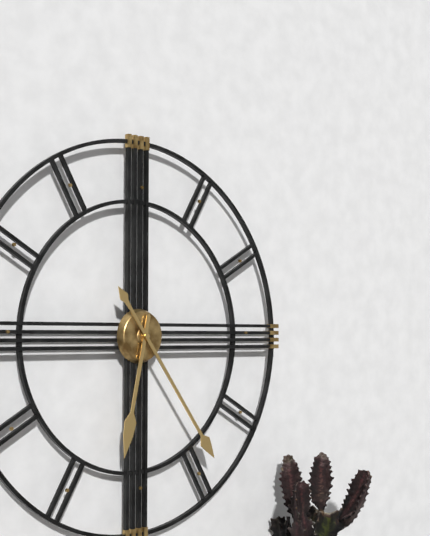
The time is **6:24**
